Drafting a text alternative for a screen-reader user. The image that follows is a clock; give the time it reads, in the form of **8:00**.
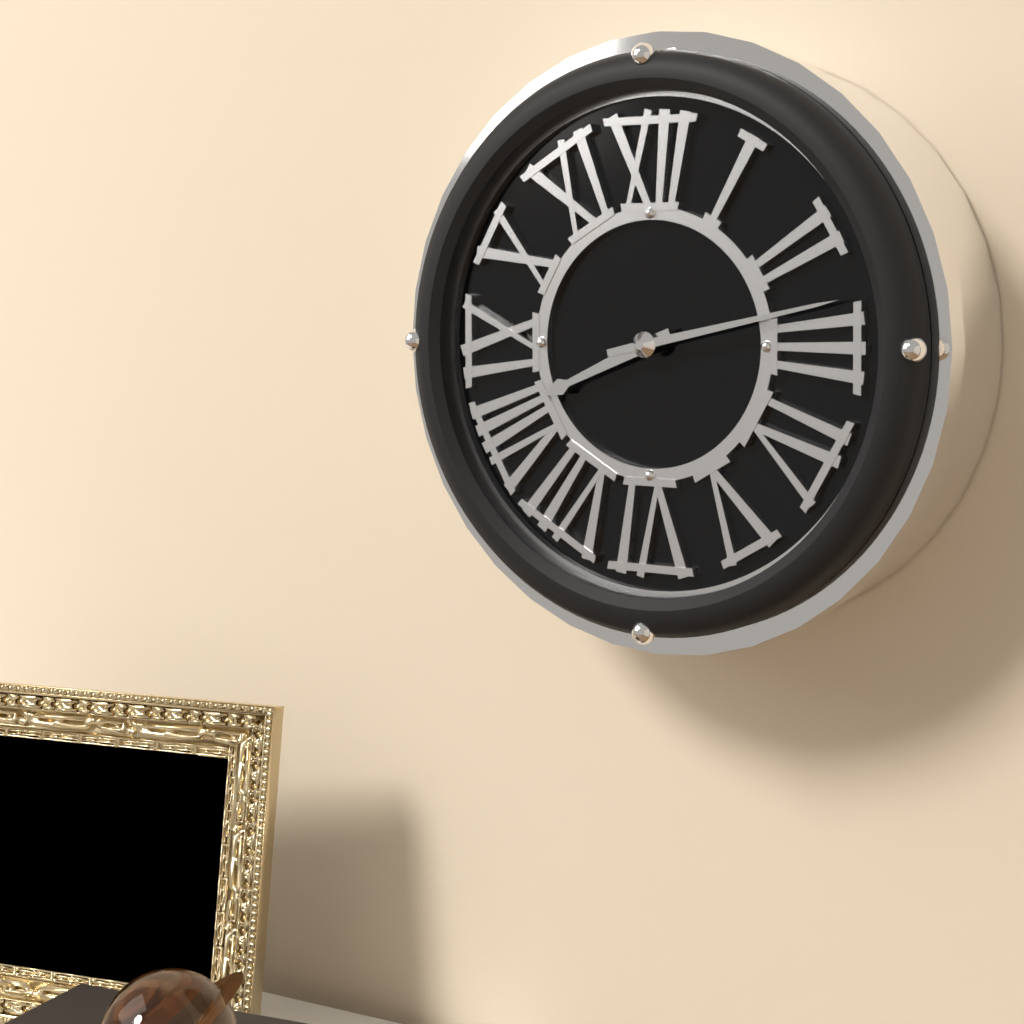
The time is **8:13**
